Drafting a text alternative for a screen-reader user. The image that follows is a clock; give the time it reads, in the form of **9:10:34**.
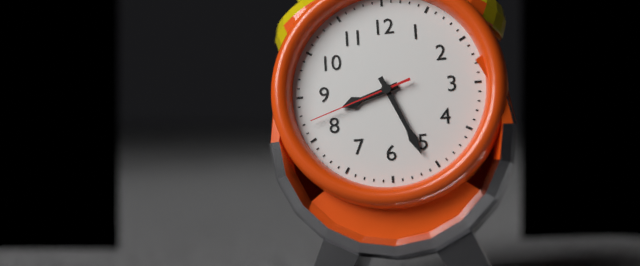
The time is **8:26:42**
